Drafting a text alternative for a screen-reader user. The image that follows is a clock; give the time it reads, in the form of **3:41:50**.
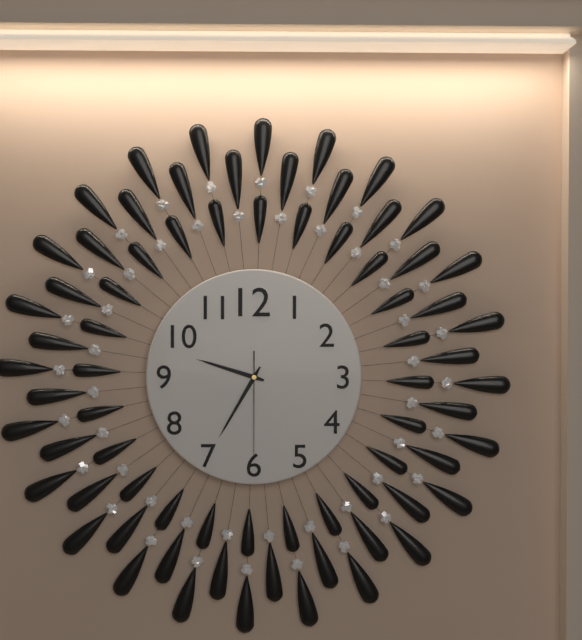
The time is **9:35:30**
